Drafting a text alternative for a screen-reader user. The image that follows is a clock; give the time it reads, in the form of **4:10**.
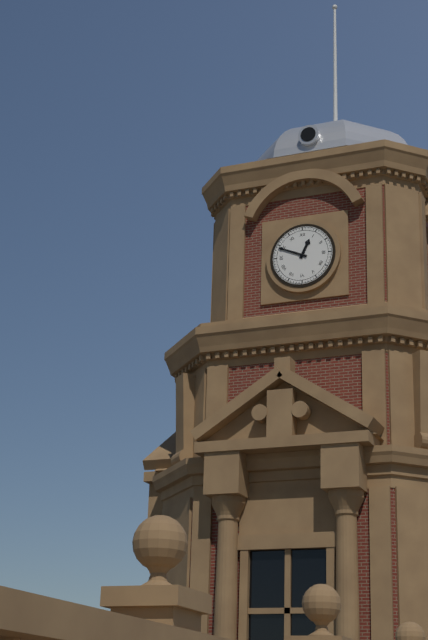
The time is **12:49**
